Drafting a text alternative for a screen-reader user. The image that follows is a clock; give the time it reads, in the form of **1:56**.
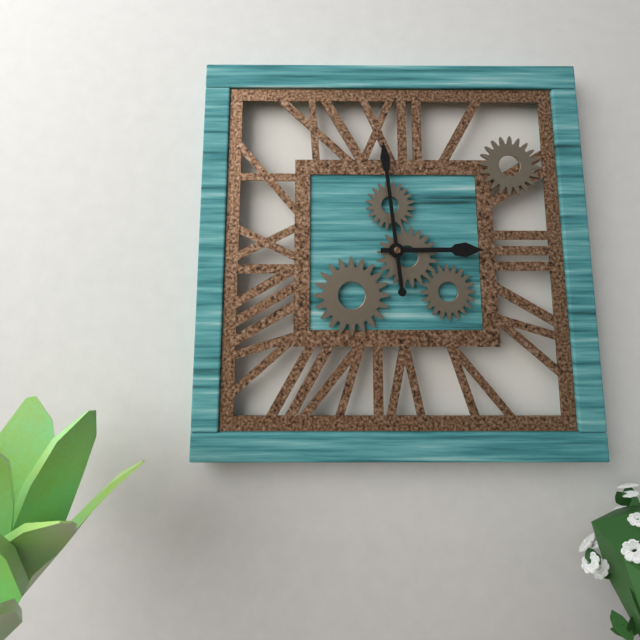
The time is **2:59**
